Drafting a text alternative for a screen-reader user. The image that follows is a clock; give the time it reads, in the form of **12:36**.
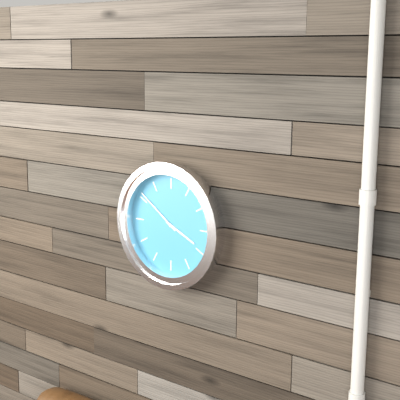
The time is **3:51**
